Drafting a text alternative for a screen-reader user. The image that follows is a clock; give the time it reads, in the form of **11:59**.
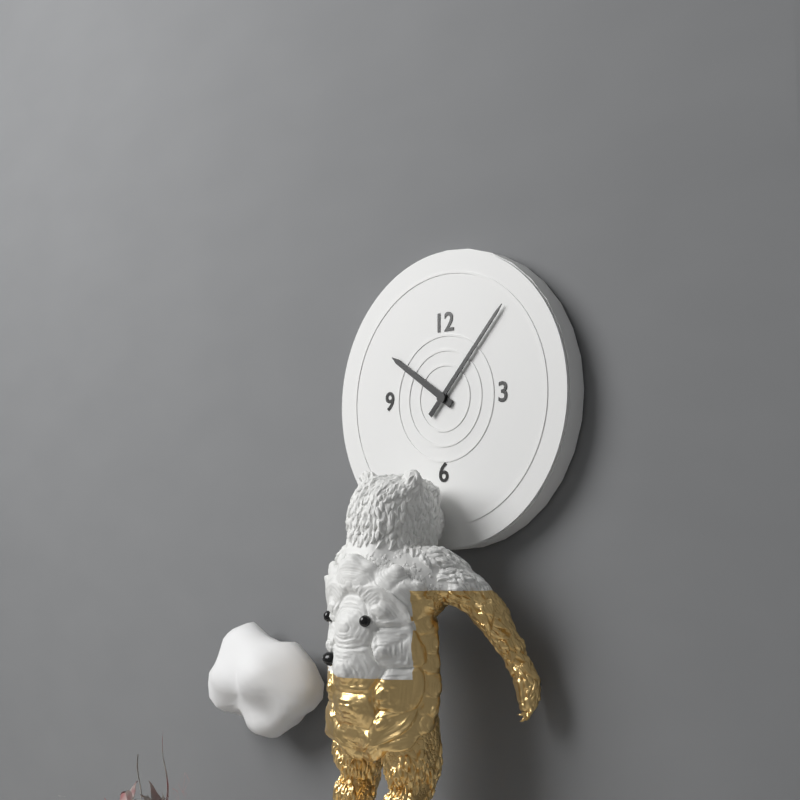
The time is **10:07**
